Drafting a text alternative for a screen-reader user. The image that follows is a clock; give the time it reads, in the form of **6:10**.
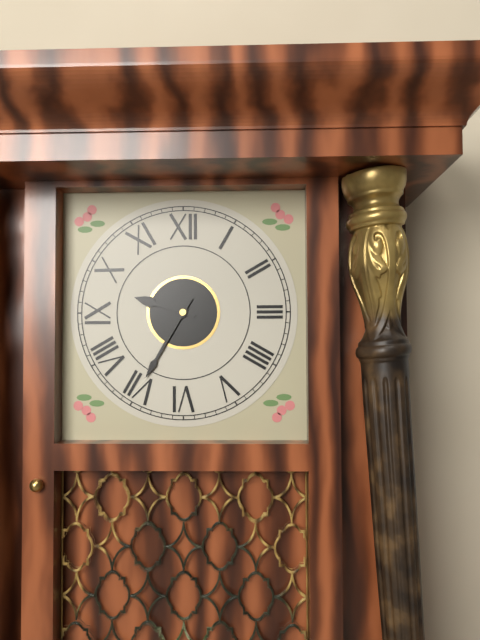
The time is **9:35**
